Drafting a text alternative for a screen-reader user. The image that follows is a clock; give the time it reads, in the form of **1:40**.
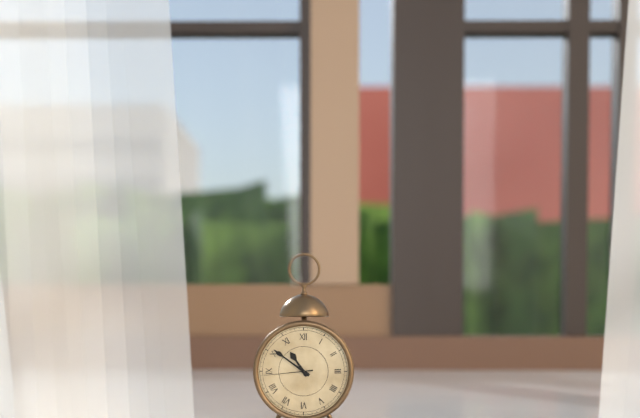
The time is **10:51**
